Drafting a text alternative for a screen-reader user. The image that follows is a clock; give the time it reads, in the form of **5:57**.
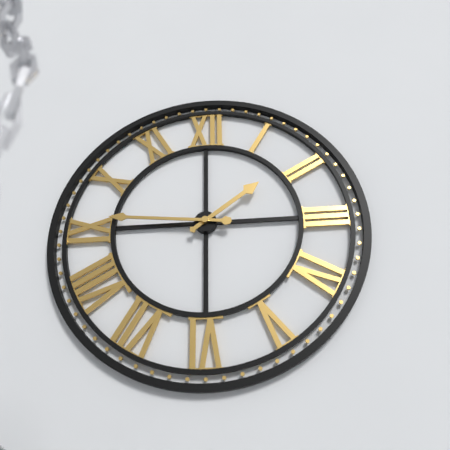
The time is **1:46**
